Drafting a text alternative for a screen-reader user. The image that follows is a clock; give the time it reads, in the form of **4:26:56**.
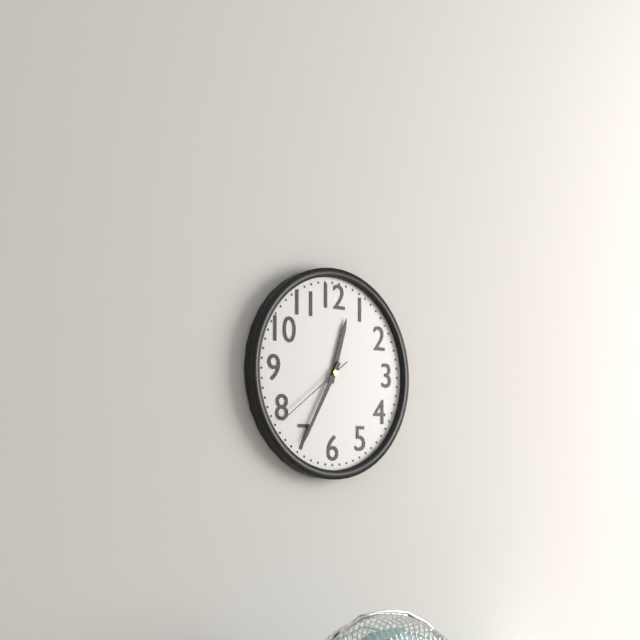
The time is **12:35:39**
